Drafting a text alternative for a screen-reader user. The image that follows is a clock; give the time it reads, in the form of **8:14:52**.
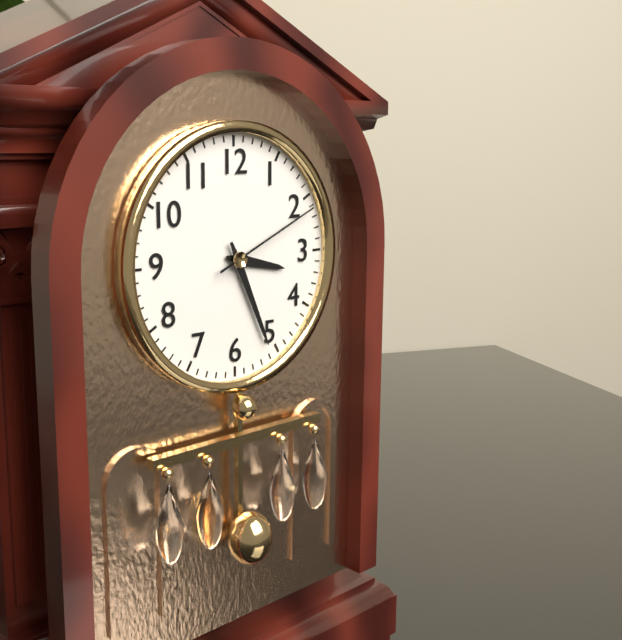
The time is **3:26:11**
